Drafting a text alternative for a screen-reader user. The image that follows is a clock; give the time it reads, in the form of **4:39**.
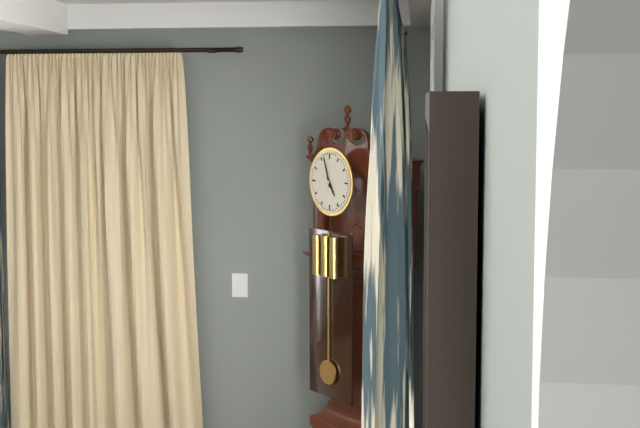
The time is **4:57**
